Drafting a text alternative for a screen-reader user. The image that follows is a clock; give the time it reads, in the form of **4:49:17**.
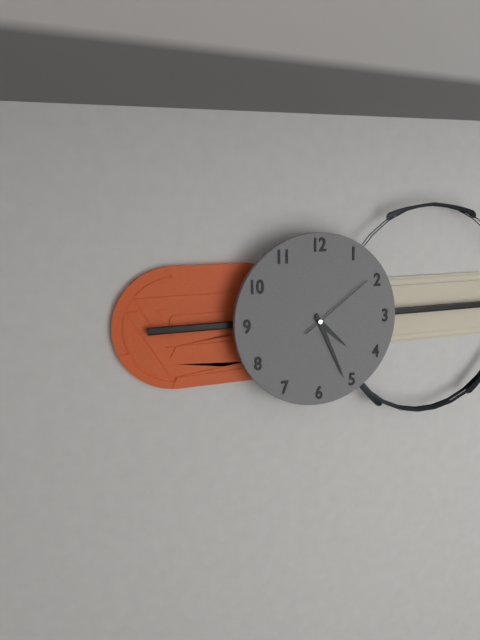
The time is **4:26:09**
